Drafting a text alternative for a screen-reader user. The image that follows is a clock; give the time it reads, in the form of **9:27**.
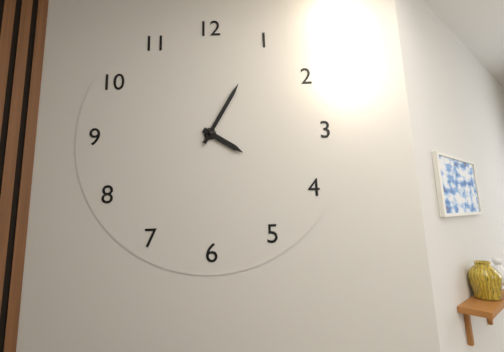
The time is **4:05**
